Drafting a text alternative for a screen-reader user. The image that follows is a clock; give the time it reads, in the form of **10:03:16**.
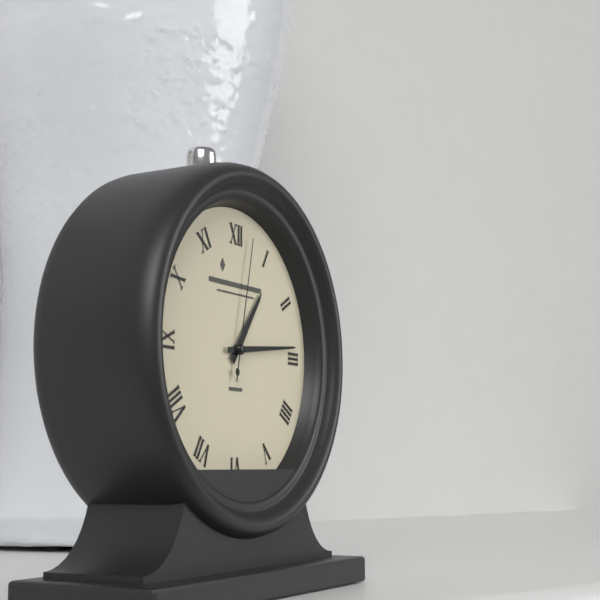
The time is **1:14:02**
